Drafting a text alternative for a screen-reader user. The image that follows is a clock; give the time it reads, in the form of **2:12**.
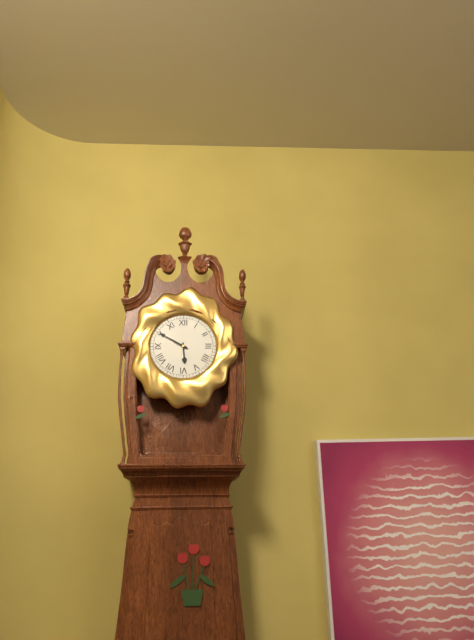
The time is **5:50**
